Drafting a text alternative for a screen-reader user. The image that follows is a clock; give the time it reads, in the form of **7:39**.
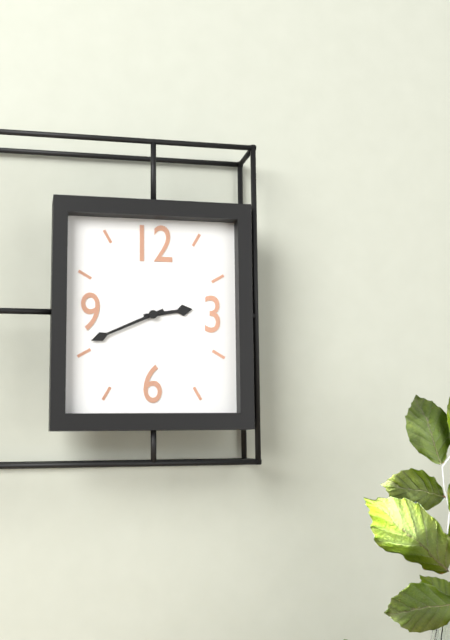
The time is **2:41**
